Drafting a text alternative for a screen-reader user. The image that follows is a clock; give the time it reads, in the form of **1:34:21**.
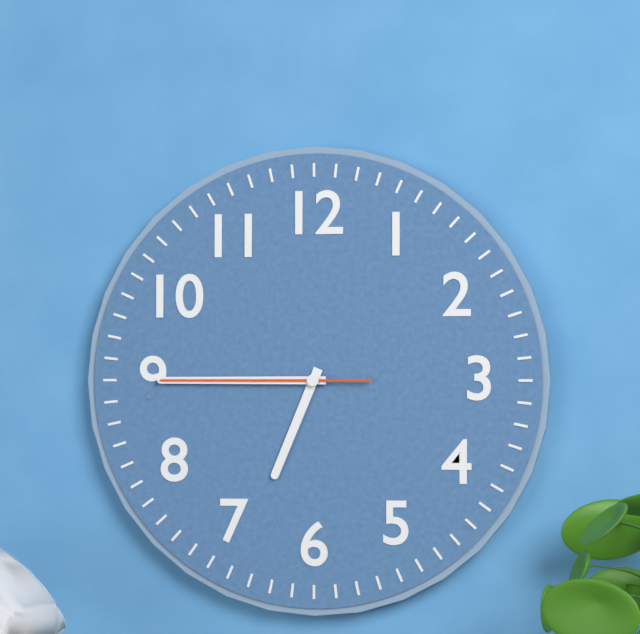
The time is **6:45:45**
